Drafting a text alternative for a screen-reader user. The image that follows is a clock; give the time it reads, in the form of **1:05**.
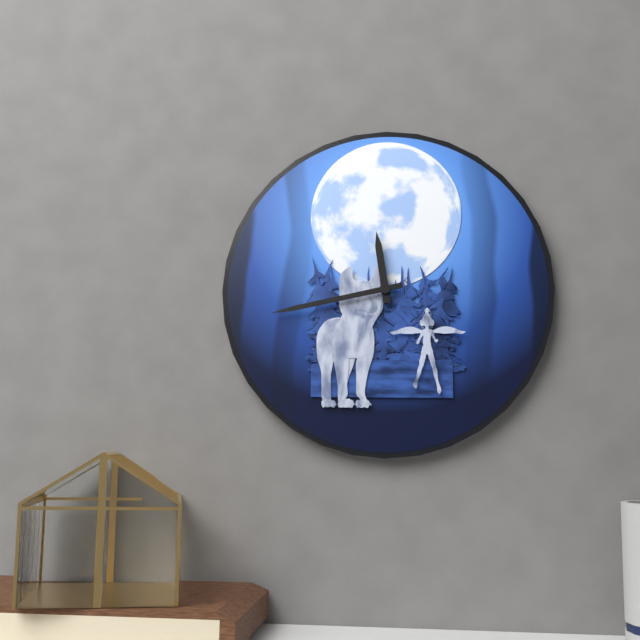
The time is **11:43**
